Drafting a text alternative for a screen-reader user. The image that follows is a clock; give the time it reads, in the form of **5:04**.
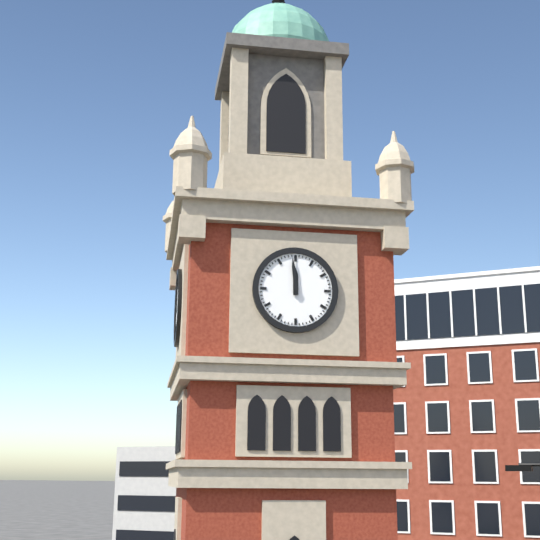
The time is **11:59**
